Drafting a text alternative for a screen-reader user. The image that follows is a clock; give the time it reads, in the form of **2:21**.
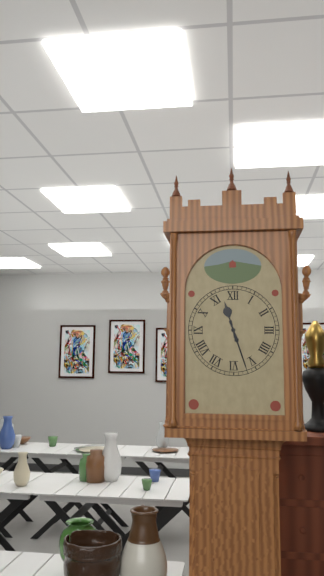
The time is **11:27**
